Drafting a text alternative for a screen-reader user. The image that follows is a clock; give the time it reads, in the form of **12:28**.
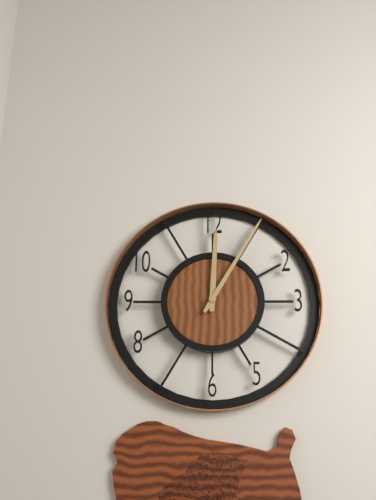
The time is **12:05**
